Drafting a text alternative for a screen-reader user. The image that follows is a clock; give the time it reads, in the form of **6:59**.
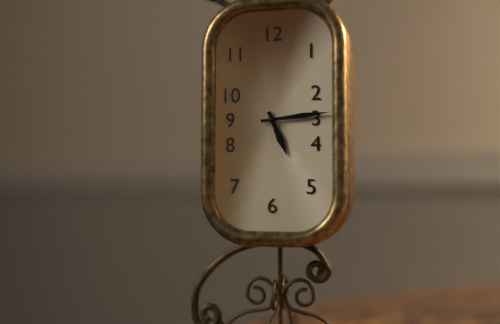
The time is **5:14**
